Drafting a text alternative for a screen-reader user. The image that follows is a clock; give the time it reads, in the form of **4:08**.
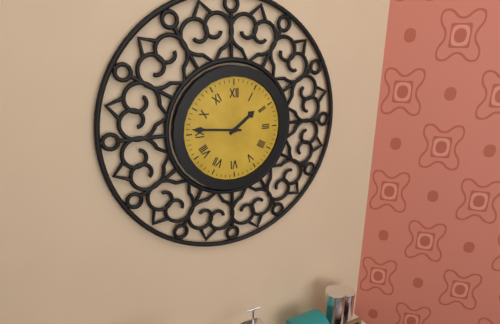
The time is **1:46**
